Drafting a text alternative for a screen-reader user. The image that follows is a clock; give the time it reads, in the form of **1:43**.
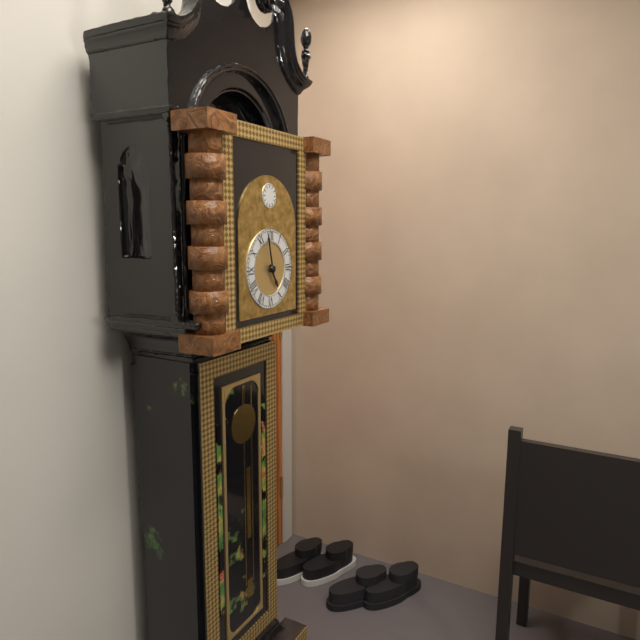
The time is **4:58**
